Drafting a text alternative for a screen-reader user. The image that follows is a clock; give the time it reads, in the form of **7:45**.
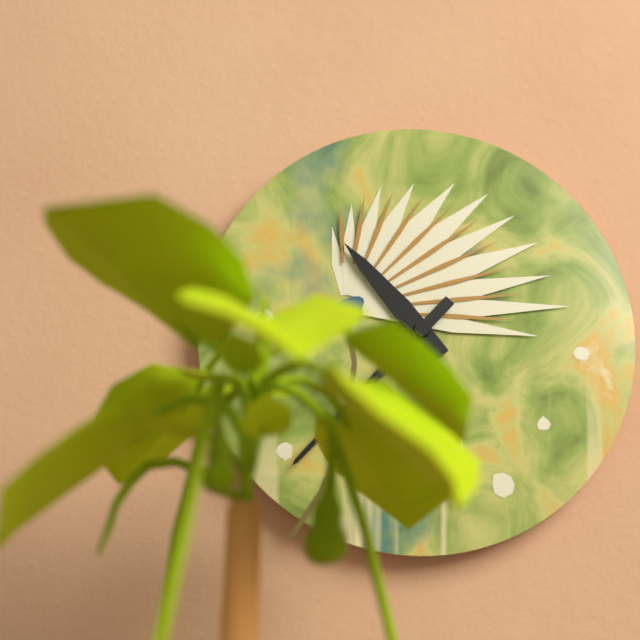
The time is **10:37**
